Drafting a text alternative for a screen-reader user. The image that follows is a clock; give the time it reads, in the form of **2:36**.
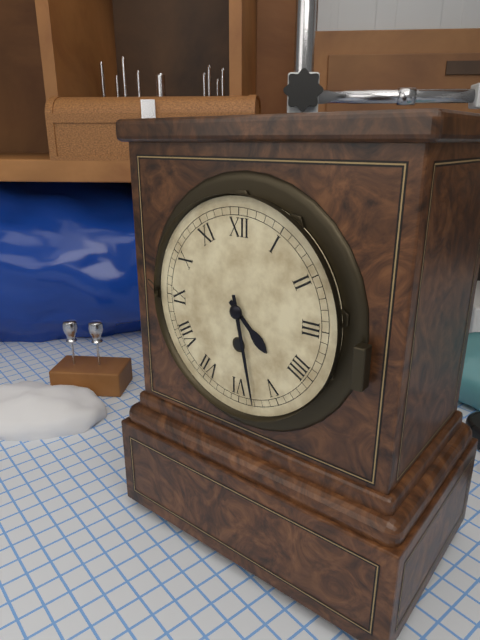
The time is **4:28**
